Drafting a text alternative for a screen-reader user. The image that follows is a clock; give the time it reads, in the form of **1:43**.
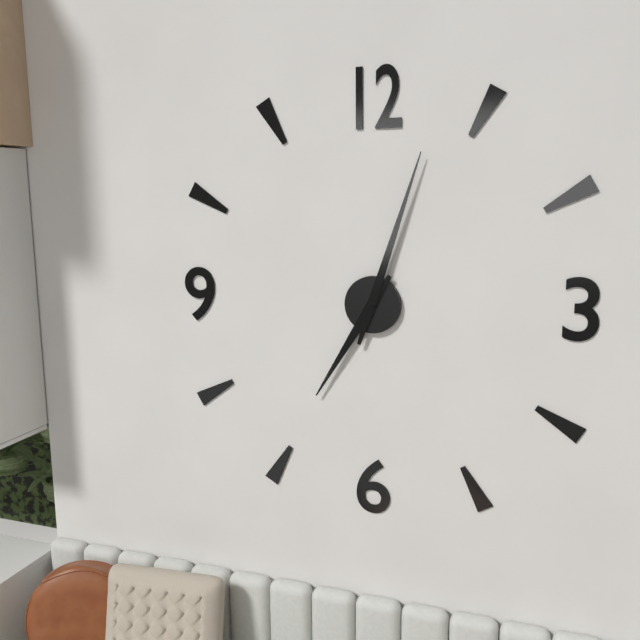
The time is **7:03**
